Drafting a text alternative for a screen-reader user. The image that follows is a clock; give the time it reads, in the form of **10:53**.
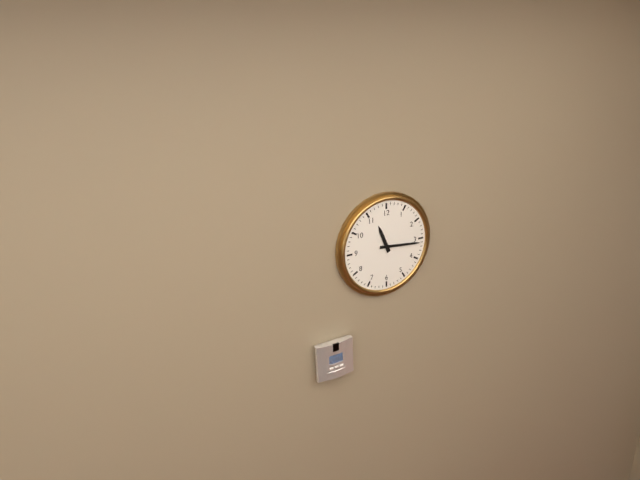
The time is **11:16**
